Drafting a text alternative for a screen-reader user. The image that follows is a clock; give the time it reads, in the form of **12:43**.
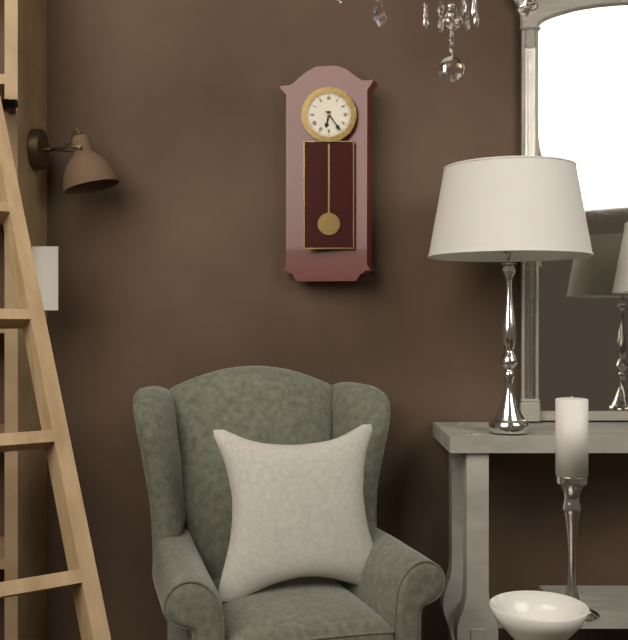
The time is **6:24**
